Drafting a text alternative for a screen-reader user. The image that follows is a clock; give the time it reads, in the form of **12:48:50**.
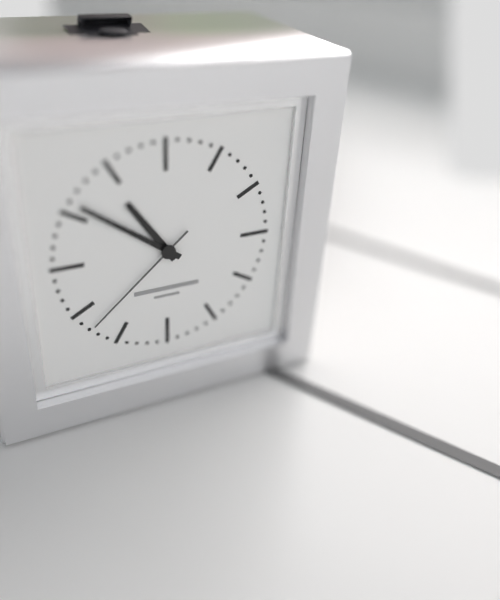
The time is **10:51:38**
